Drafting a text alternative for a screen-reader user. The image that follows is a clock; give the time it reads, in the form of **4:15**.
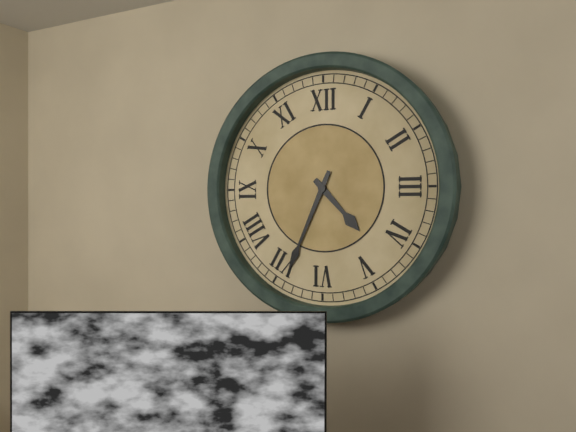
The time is **4:34**
